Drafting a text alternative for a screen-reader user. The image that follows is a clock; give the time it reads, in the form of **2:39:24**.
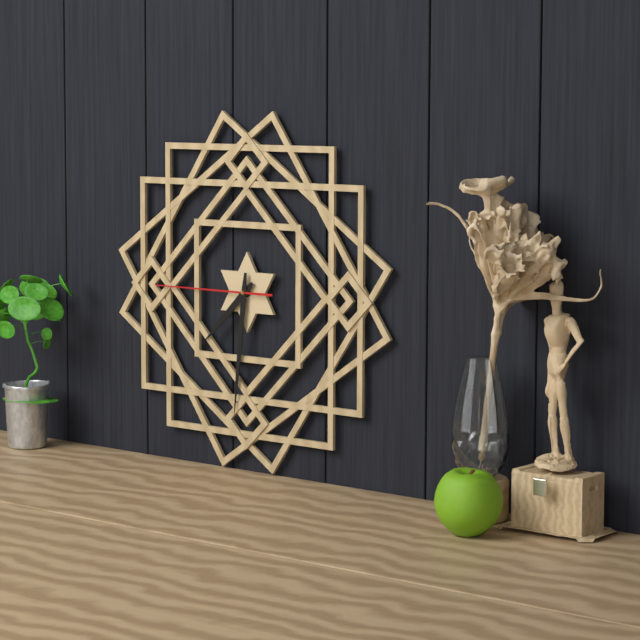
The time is **7:31:45**
